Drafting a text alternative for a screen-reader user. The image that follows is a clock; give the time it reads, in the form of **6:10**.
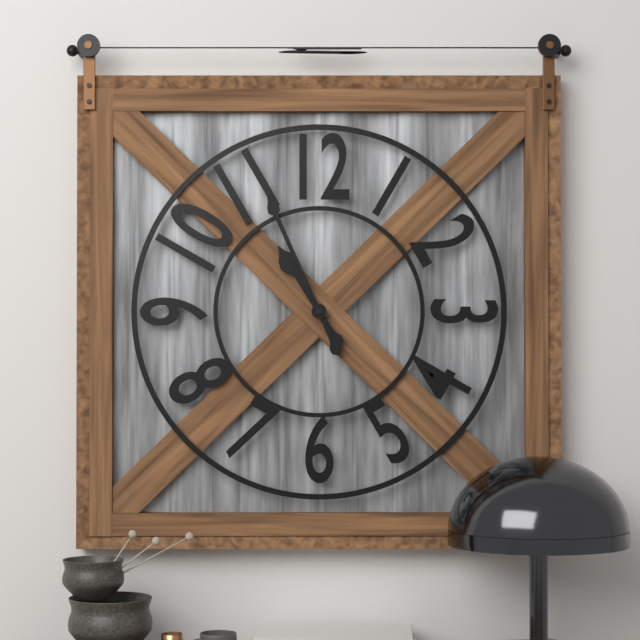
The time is **10:56**
